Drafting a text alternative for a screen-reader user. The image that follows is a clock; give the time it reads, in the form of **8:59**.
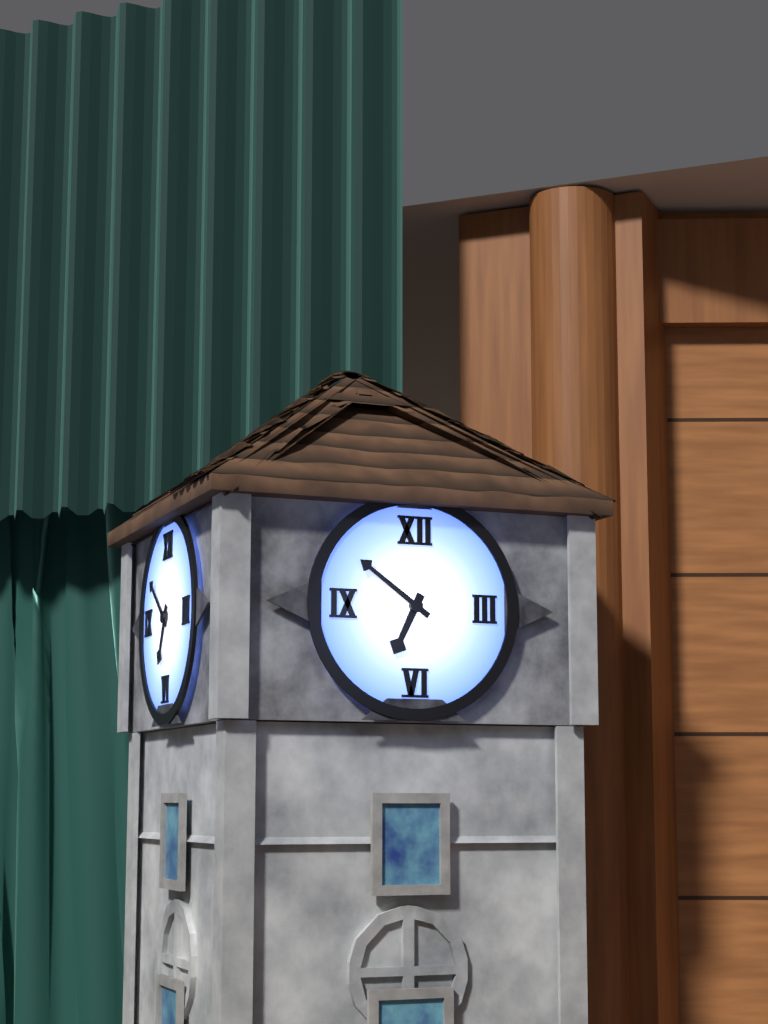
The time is **6:51**
